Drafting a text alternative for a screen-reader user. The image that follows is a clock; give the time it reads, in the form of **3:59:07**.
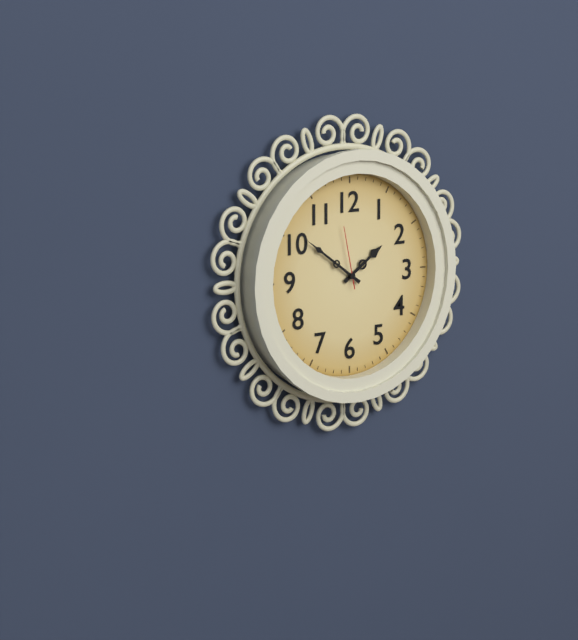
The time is **1:51:58**
